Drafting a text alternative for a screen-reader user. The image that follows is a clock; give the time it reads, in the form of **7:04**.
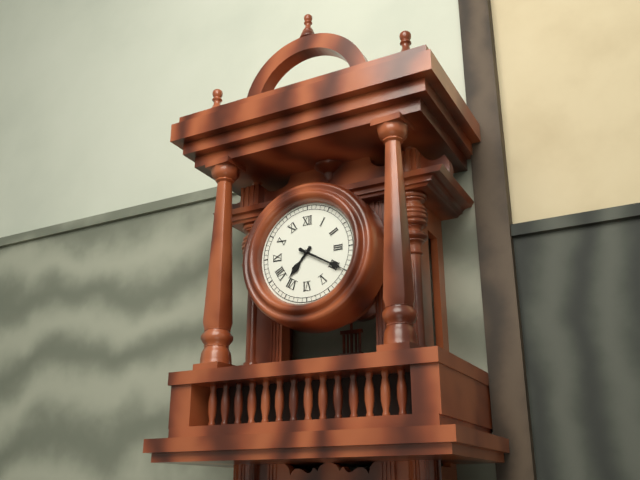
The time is **7:20**
